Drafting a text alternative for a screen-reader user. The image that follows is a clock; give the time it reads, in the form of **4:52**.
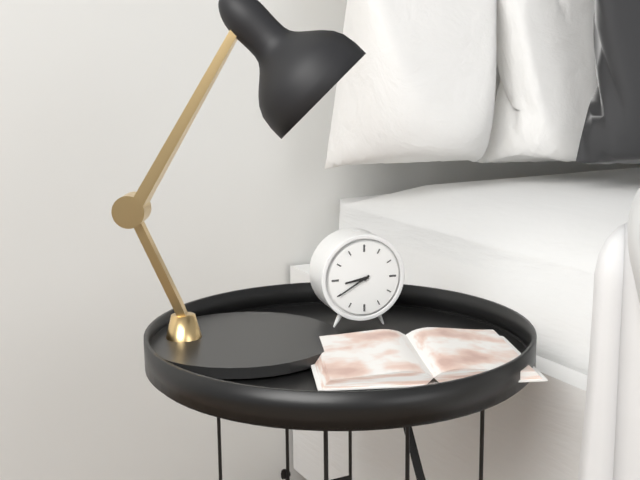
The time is **8:40**
